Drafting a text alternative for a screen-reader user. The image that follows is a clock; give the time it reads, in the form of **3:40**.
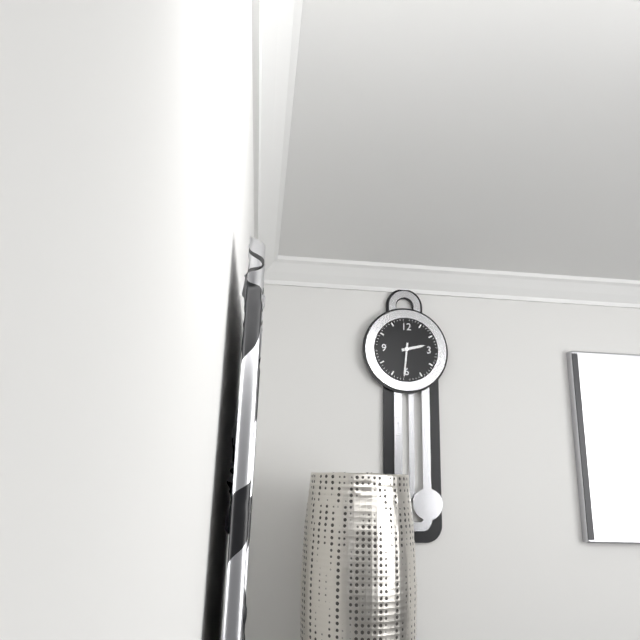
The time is **2:31**
